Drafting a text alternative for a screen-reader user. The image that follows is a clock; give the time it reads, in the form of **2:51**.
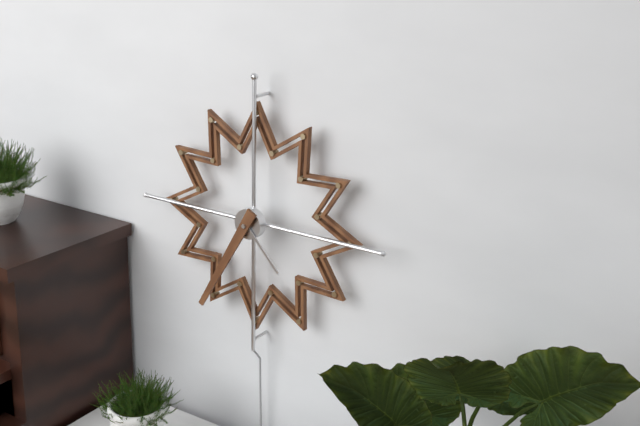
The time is **4:35**
